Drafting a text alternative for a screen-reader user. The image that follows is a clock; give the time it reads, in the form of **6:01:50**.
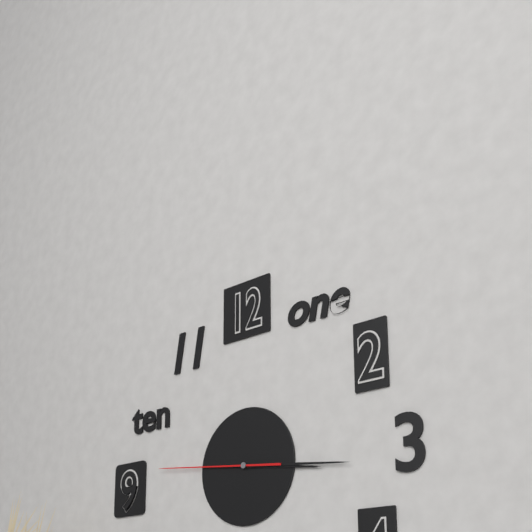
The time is **3:16:46**
